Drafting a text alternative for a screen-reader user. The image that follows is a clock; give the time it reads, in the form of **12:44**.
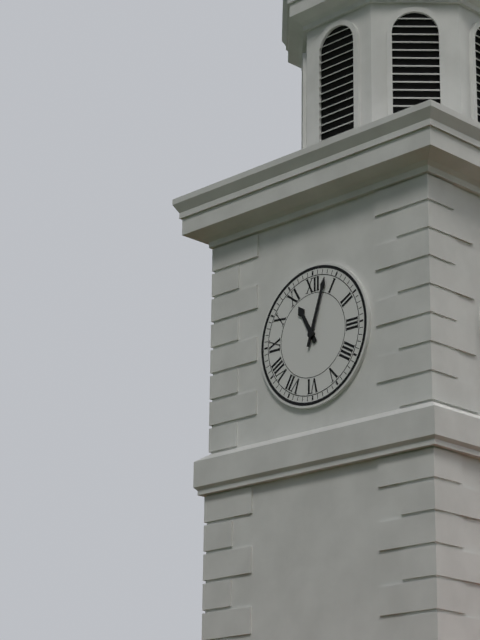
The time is **11:03**
